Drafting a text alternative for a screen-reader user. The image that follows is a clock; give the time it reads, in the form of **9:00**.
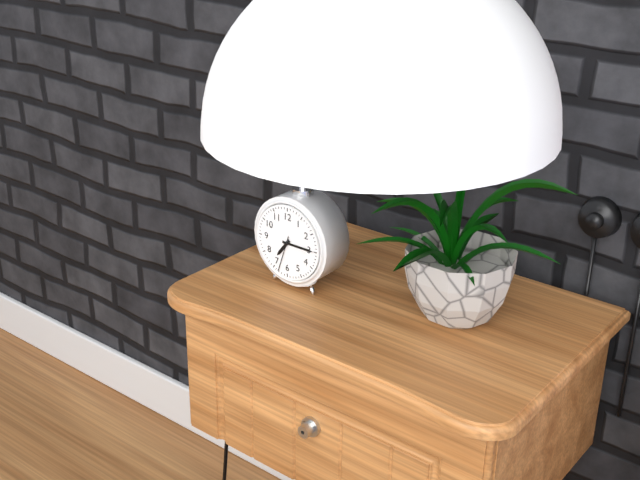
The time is **7:15**
